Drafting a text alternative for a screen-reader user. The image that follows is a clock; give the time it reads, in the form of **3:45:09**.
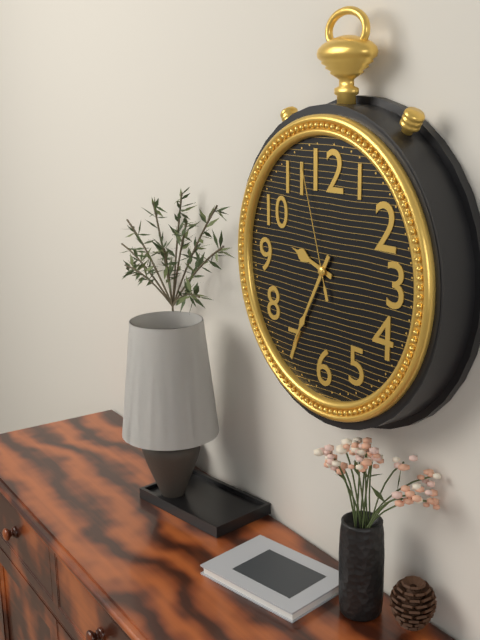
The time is **9:35:57**
